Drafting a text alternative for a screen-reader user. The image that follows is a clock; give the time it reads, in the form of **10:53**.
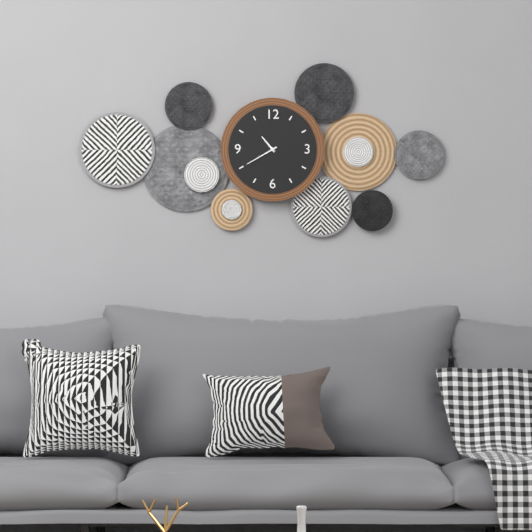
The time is **10:40**
